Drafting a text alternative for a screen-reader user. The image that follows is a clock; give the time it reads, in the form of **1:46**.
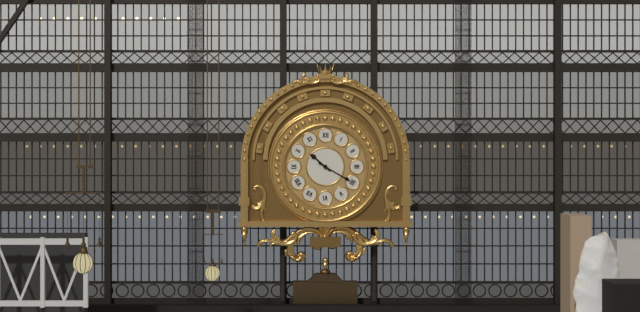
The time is **10:20**
